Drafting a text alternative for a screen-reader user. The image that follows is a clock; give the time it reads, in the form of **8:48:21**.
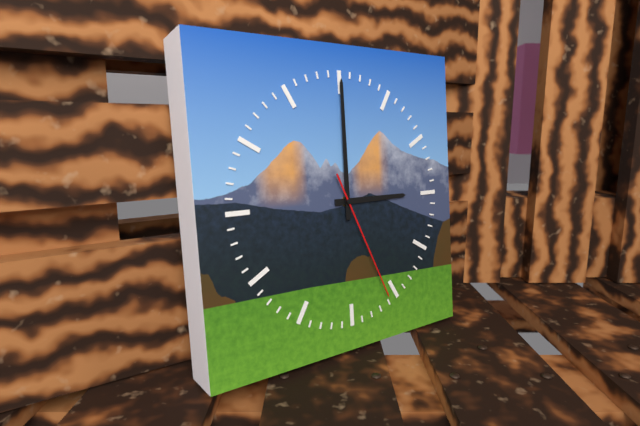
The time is **3:00:26**
